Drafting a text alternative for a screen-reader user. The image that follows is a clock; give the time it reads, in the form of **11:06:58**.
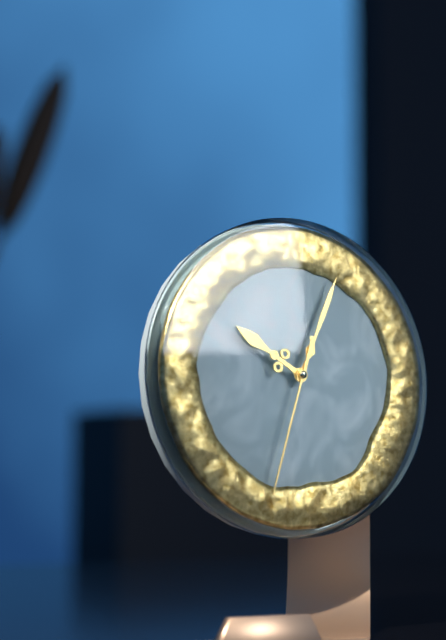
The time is **10:04:33**
